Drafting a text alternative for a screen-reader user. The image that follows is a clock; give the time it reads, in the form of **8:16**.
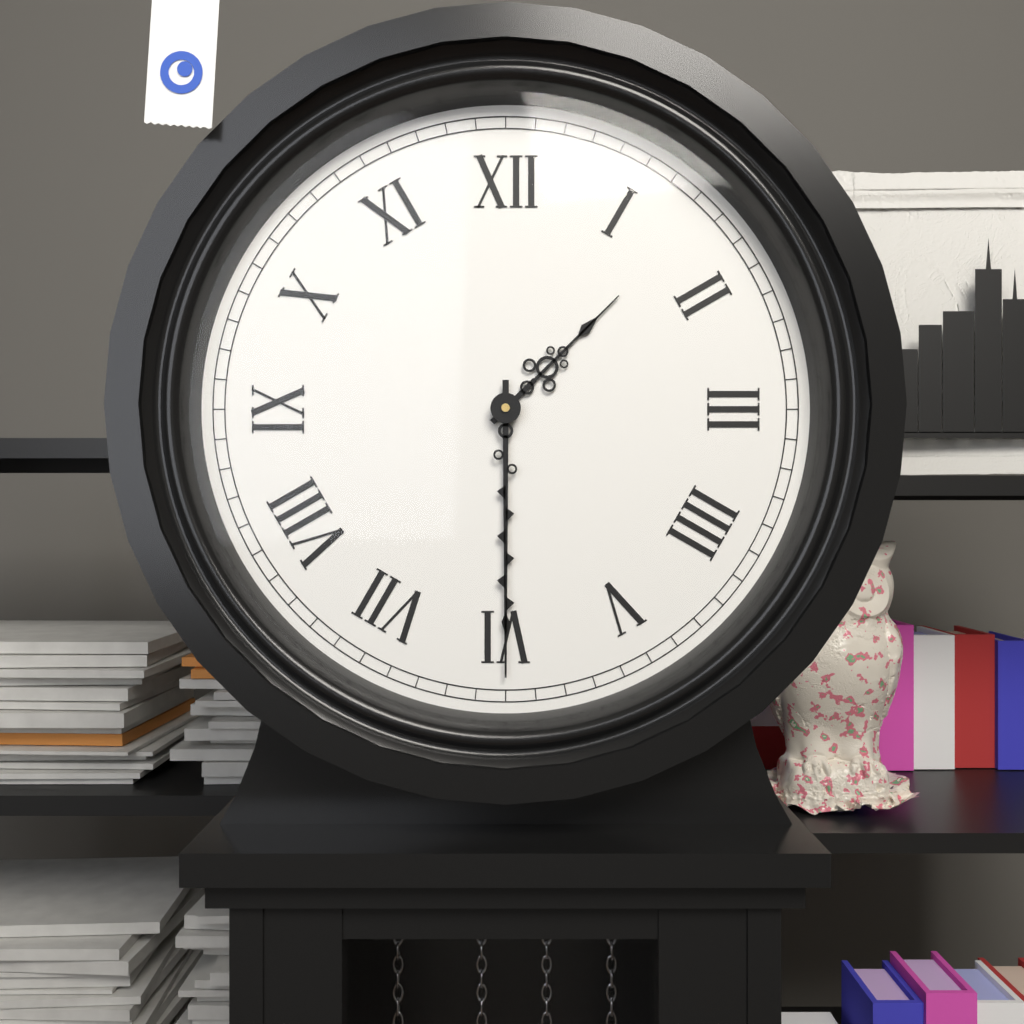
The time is **1:30**
